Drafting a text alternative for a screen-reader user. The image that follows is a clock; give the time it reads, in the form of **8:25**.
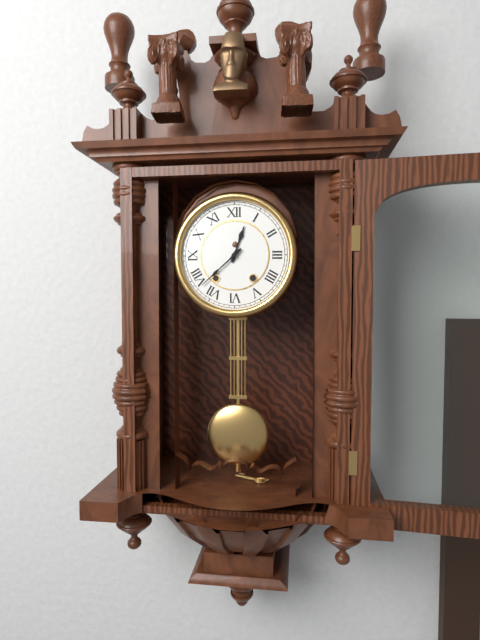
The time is **12:38**
